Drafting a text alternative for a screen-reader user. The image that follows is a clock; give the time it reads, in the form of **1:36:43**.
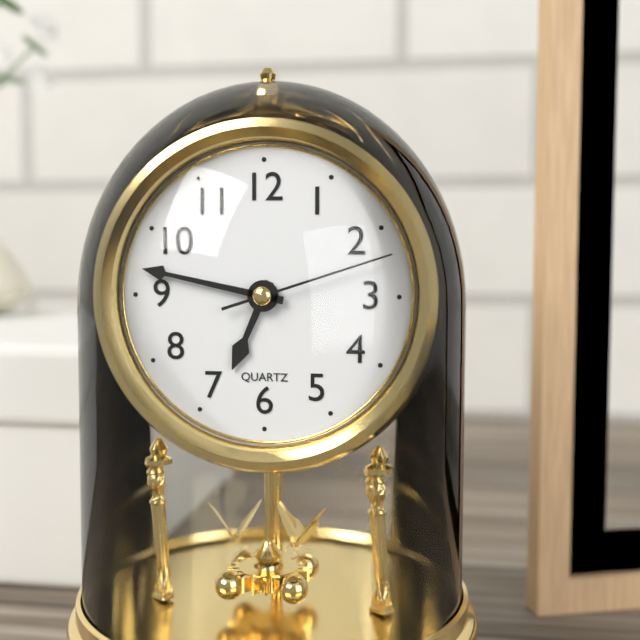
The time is **6:47:12**
